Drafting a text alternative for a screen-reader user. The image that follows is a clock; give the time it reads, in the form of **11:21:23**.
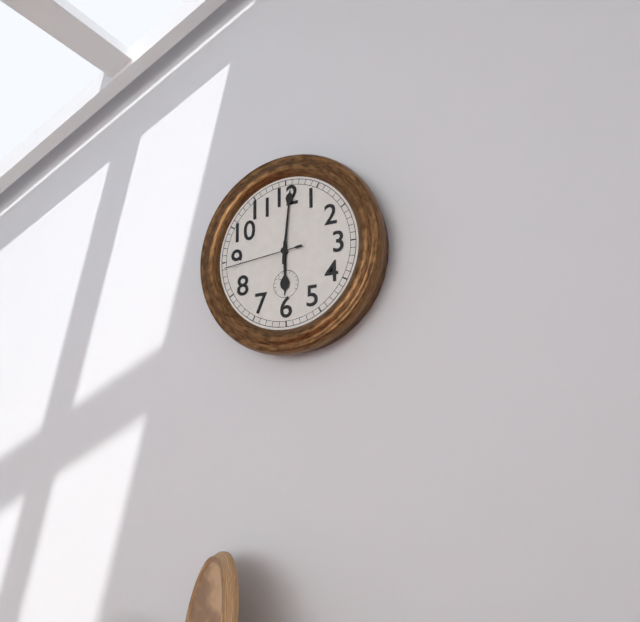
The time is **6:01:44**
